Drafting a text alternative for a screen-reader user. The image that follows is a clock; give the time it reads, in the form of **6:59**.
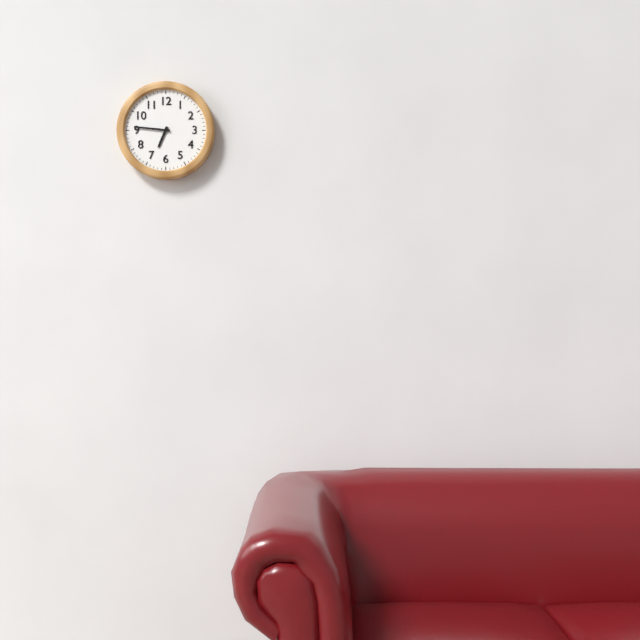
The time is **6:46**
